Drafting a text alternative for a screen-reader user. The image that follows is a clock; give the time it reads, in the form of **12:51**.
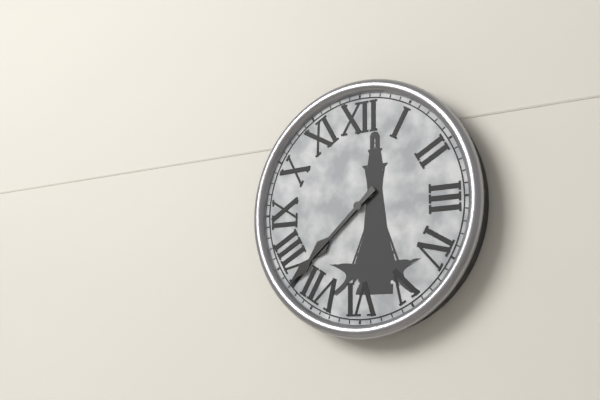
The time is **7:38**
